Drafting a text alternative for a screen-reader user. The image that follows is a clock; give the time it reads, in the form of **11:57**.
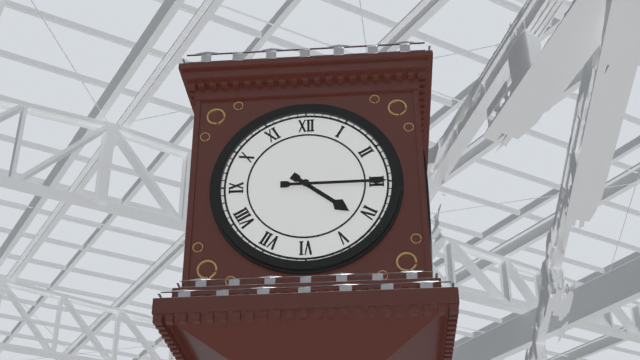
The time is **4:15**
